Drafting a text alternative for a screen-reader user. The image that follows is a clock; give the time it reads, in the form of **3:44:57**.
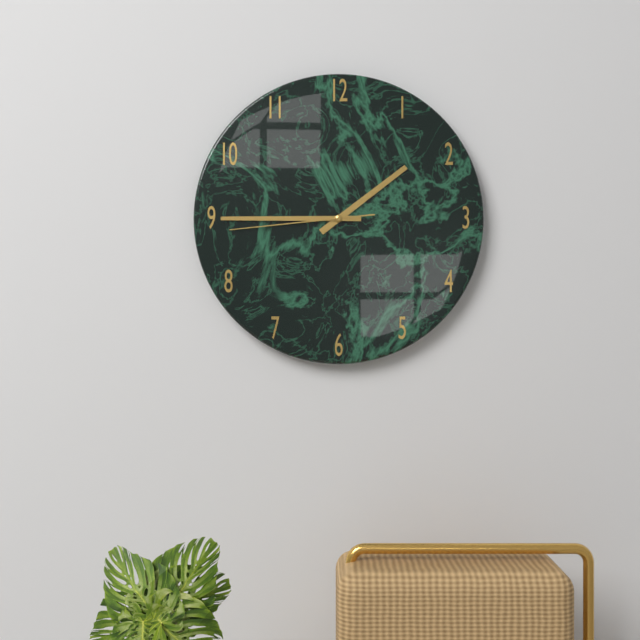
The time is **1:45:44**
